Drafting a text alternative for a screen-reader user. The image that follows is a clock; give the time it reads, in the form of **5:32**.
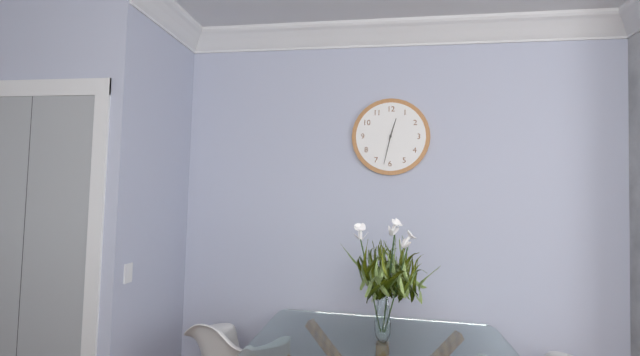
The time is **12:32**
